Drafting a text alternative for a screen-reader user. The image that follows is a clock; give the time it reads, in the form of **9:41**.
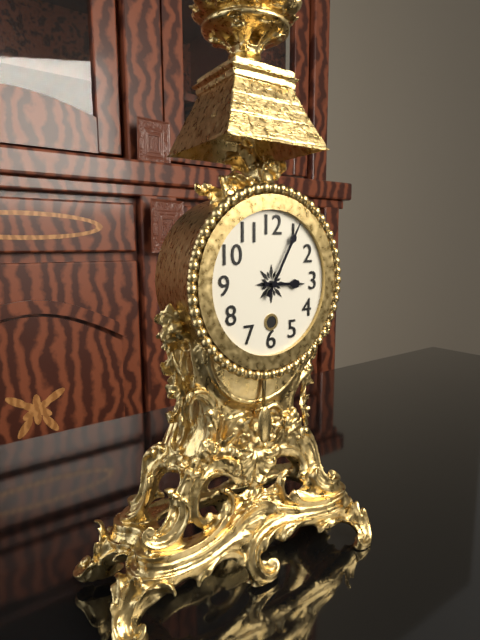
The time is **3:05**
